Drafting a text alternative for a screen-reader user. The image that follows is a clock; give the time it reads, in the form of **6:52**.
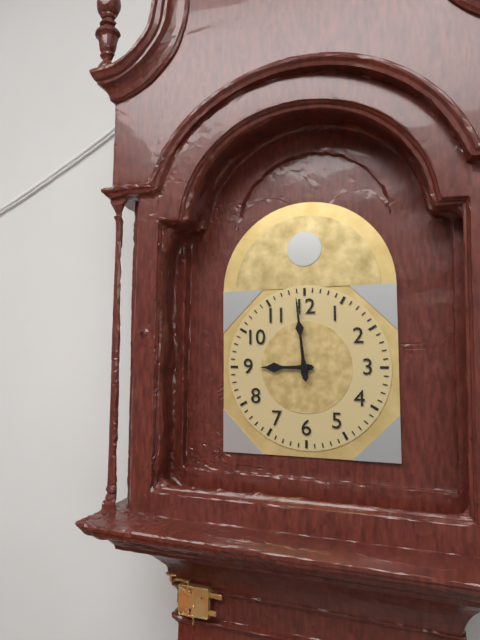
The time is **8:59**
